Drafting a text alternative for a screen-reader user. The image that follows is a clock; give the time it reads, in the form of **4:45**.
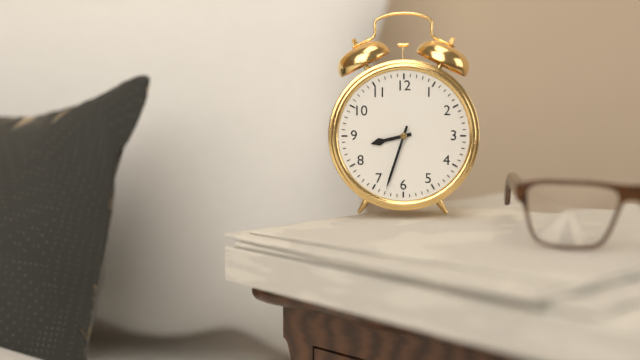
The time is **8:33**
